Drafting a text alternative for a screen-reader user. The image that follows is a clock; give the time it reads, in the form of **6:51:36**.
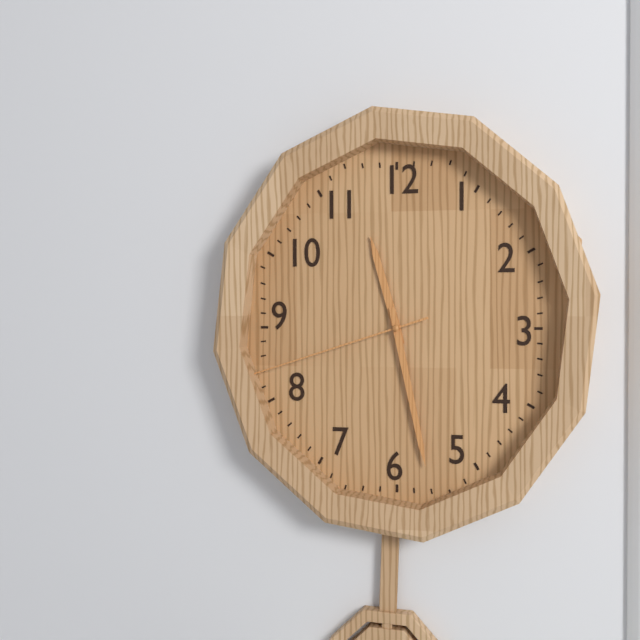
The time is **11:28:42**
